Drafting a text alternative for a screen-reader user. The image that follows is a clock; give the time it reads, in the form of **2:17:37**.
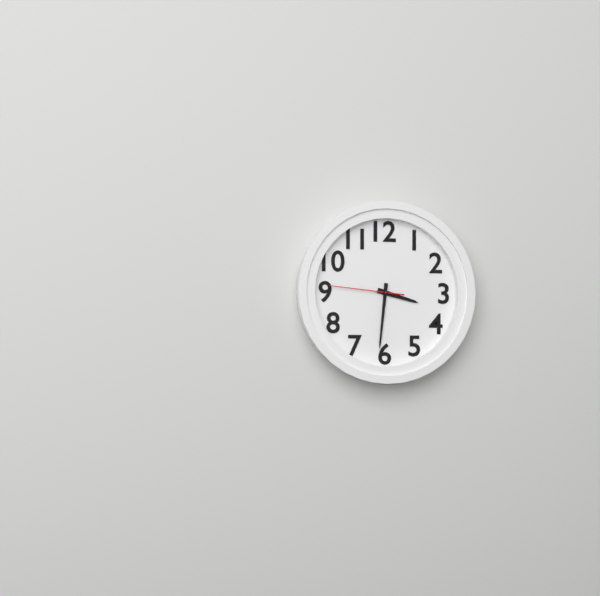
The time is **3:31:46**
